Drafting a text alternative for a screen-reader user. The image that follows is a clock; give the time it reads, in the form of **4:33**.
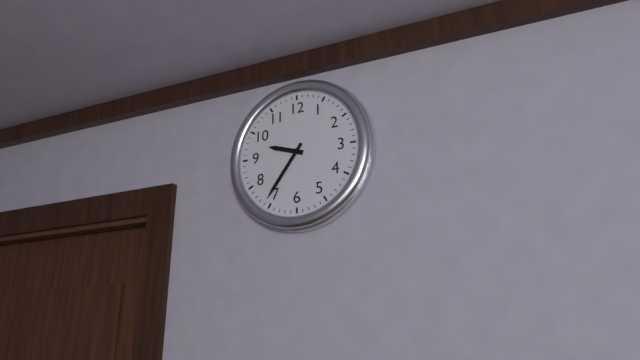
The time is **9:36**
